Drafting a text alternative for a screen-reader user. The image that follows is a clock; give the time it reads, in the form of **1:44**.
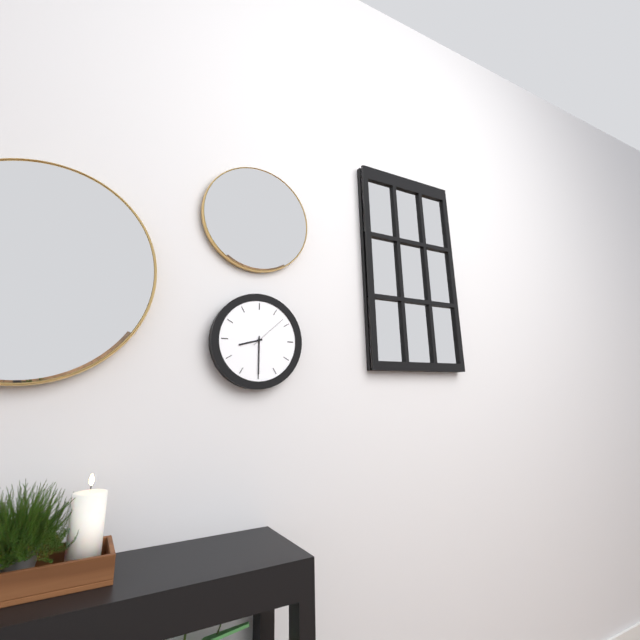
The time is **8:30**
